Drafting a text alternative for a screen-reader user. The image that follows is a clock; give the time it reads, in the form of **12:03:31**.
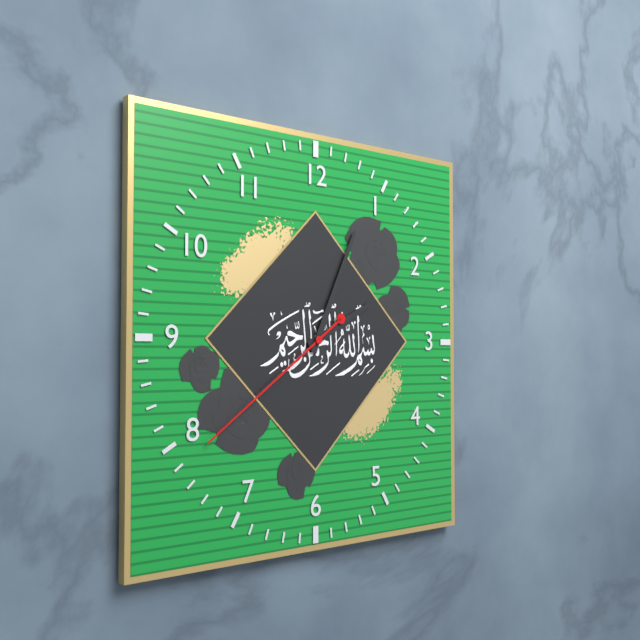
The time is **2:04:39**
